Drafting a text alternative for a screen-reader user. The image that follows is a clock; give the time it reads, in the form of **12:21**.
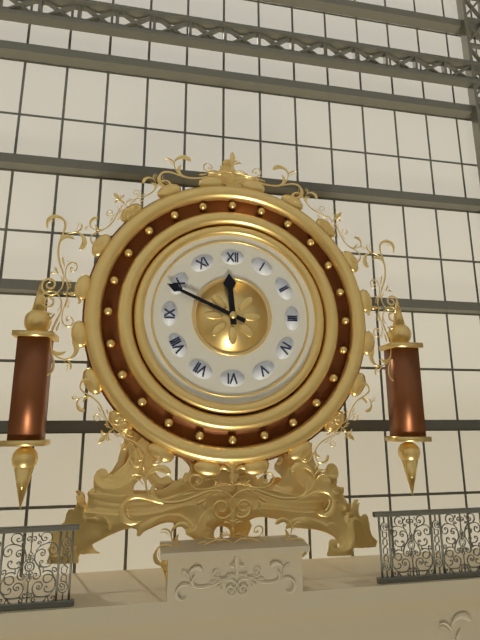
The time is **11:49**
